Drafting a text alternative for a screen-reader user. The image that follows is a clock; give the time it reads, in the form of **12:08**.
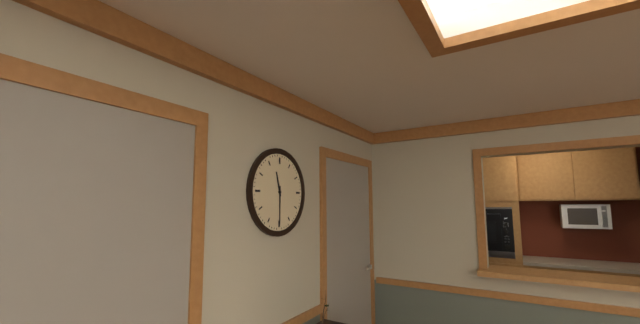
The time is **11:30**
